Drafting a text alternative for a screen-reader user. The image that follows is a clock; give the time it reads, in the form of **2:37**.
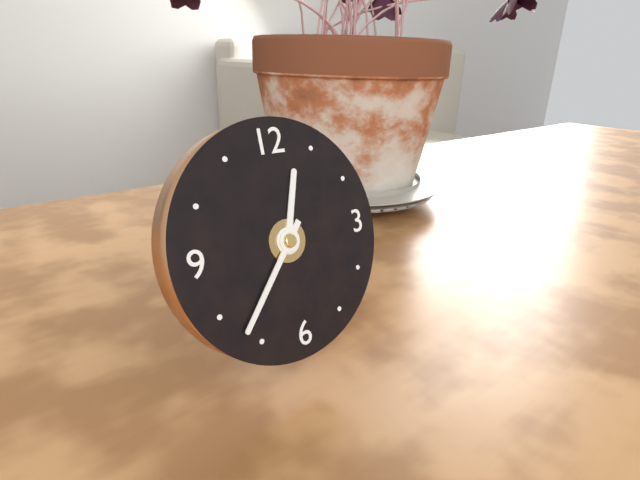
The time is **12:37**
